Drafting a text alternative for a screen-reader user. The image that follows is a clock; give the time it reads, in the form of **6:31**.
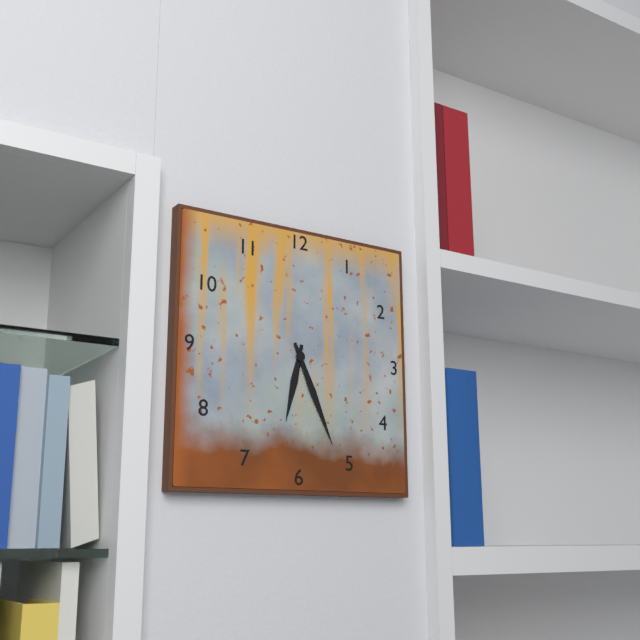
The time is **6:26**
